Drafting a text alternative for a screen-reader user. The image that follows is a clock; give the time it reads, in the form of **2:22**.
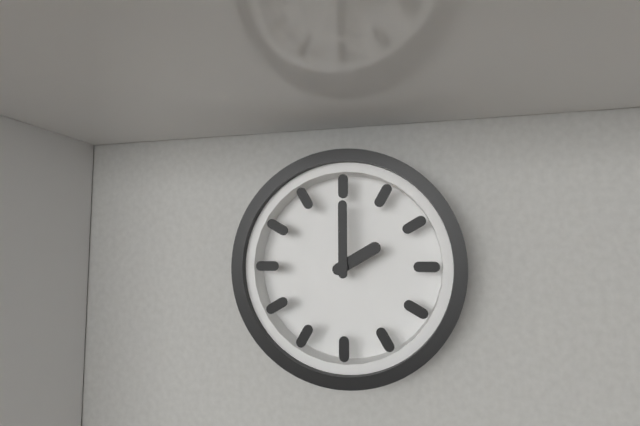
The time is **2:00**
